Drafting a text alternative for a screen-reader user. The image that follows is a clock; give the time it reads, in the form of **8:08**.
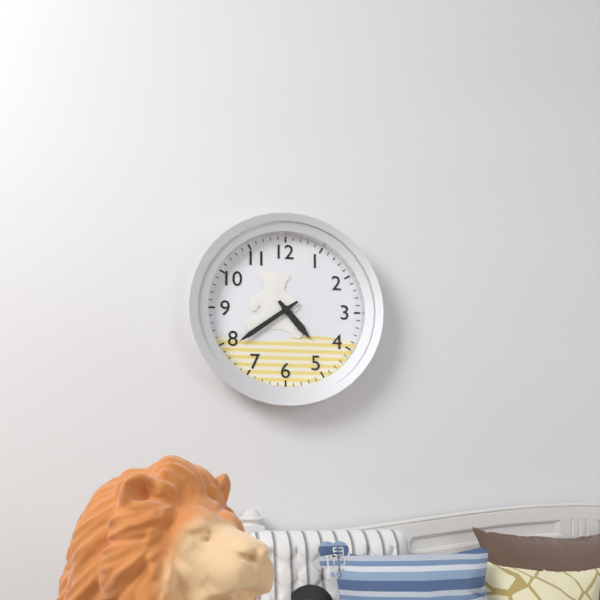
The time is **4:39**
